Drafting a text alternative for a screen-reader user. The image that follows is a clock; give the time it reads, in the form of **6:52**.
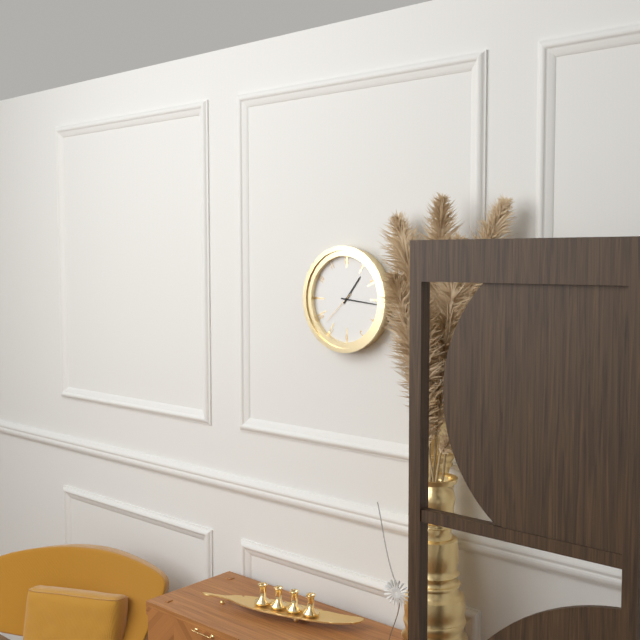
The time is **1:16**
